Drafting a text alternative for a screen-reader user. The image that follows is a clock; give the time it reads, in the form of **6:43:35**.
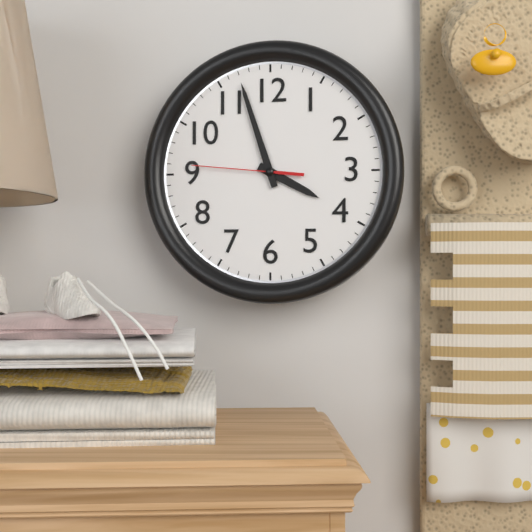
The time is **3:57:46**
